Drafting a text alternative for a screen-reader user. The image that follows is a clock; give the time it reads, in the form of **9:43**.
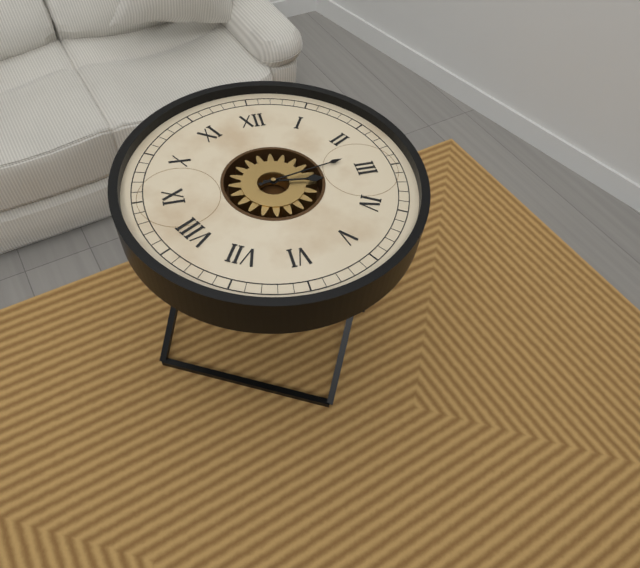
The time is **3:13**
